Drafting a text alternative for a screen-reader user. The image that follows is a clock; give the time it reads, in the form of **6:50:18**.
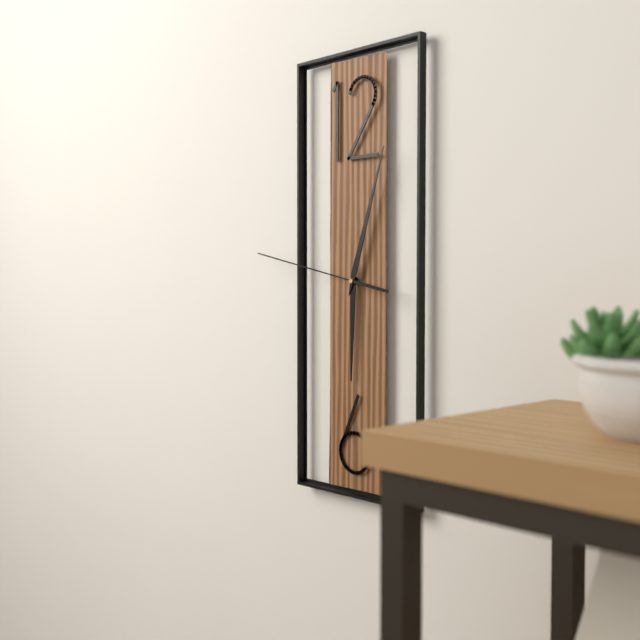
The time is **6:03:47**
